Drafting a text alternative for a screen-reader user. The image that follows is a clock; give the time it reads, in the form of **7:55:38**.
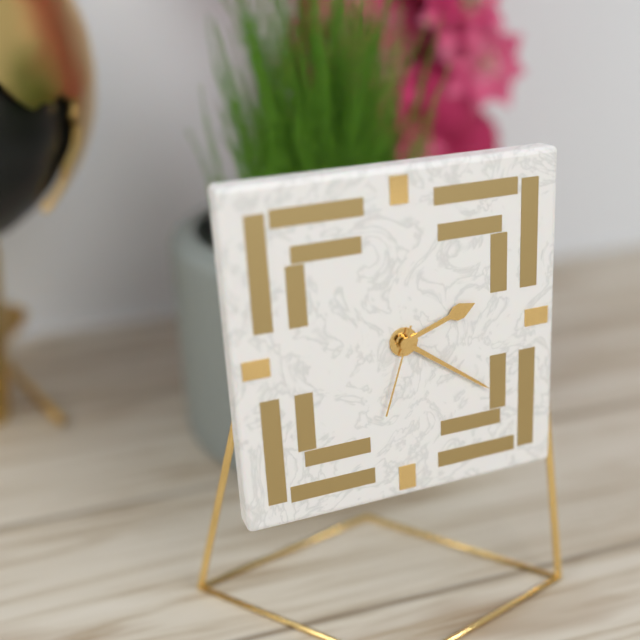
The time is **2:21:33**
